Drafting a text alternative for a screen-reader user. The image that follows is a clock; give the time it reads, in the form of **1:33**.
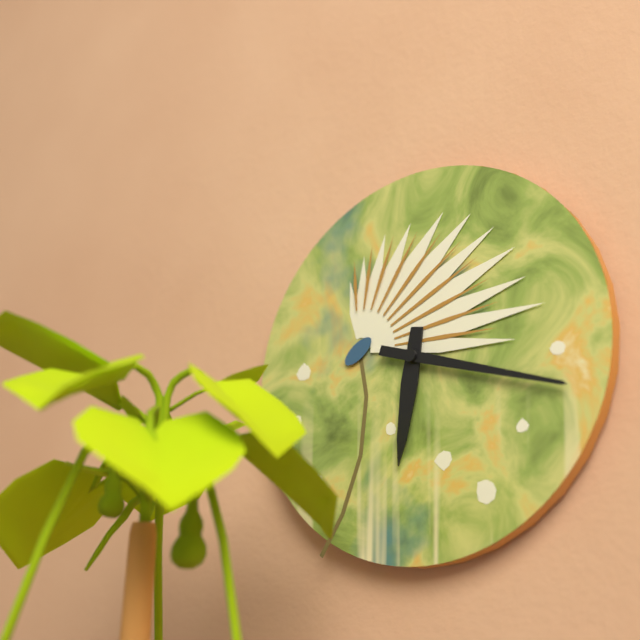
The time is **6:18**
